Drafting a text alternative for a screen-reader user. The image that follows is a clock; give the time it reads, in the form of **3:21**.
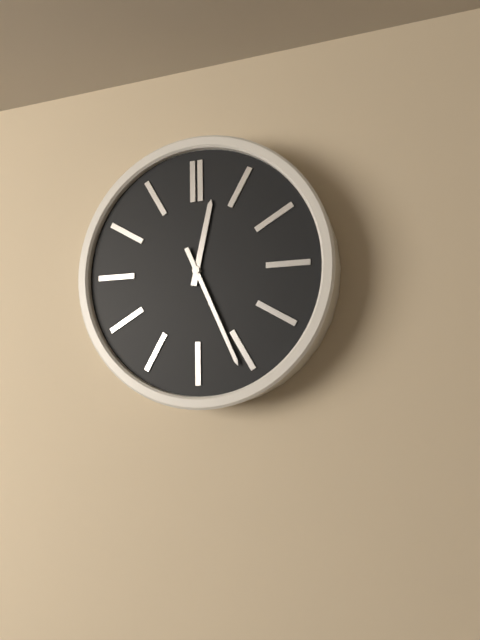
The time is **12:26**
